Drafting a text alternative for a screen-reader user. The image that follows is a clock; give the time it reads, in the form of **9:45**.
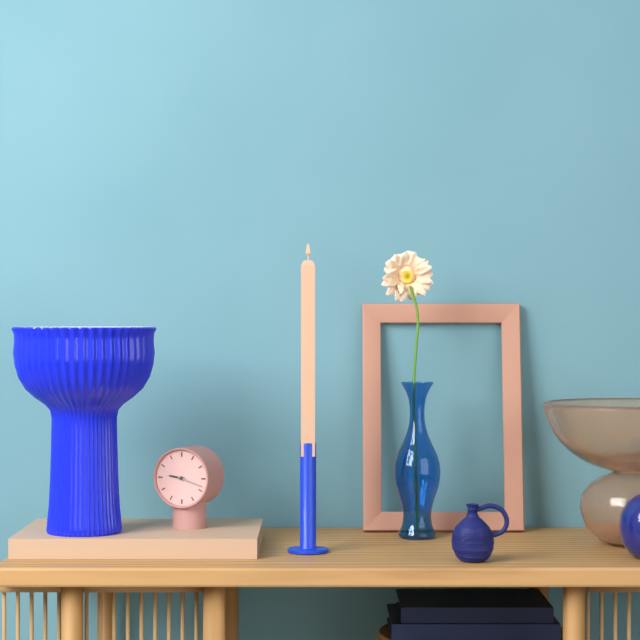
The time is **9:18**
